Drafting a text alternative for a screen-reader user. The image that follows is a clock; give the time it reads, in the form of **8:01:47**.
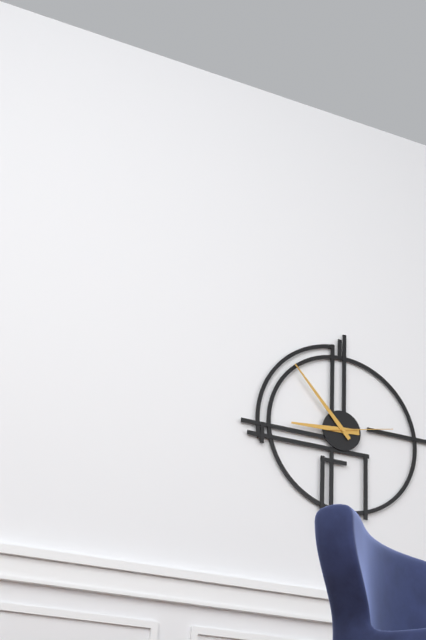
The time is **8:53:13**
